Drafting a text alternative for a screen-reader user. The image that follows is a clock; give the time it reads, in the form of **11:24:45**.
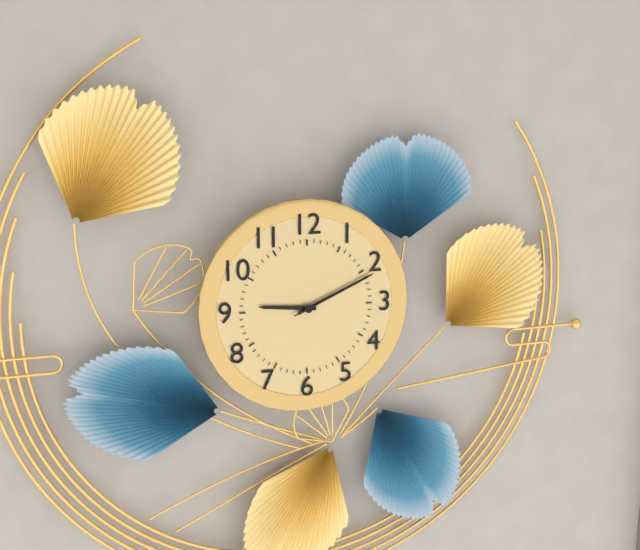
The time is **9:11:11**
